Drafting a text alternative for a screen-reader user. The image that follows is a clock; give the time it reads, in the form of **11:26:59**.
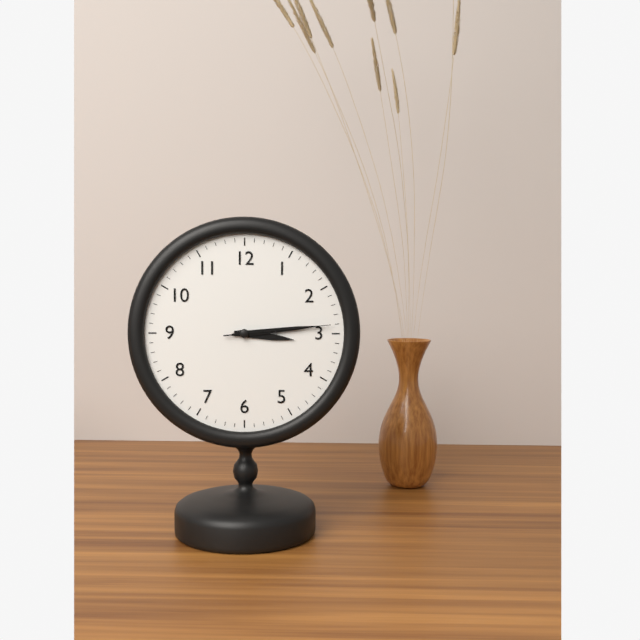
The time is **3:14:14**
